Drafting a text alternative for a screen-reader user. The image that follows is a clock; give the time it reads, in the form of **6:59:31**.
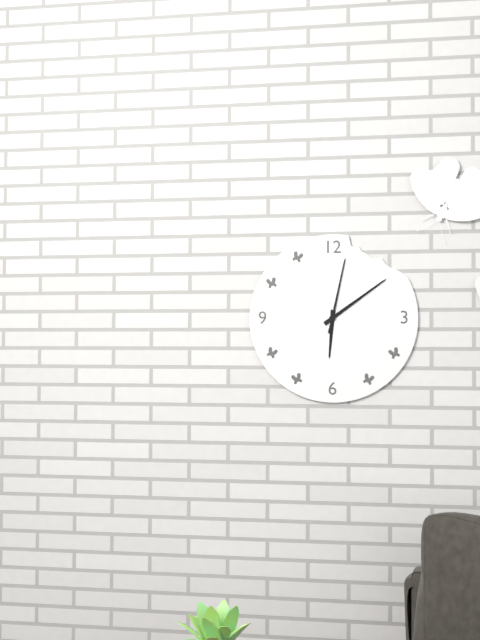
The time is **6:09:02**
